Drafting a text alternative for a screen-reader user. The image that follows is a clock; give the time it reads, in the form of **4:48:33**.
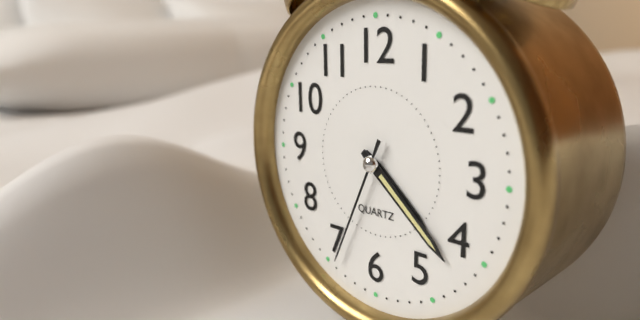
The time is **4:22:34**
